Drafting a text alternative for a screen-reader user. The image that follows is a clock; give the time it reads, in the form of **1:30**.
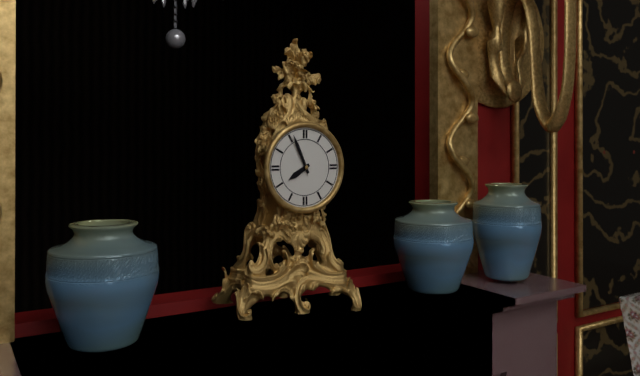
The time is **7:56**
